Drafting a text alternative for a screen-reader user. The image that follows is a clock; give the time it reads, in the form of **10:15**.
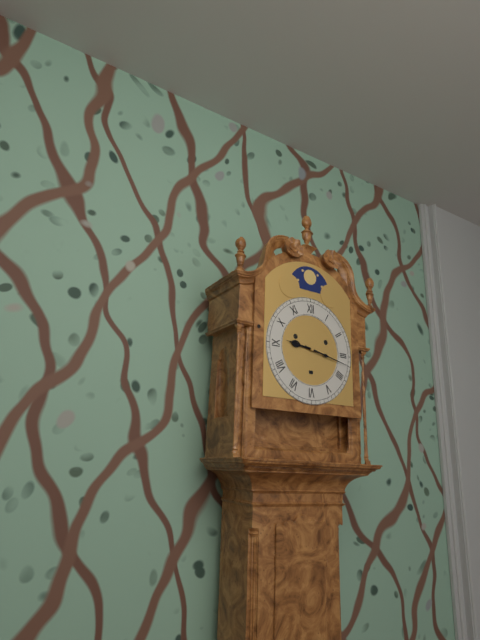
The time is **9:17**
